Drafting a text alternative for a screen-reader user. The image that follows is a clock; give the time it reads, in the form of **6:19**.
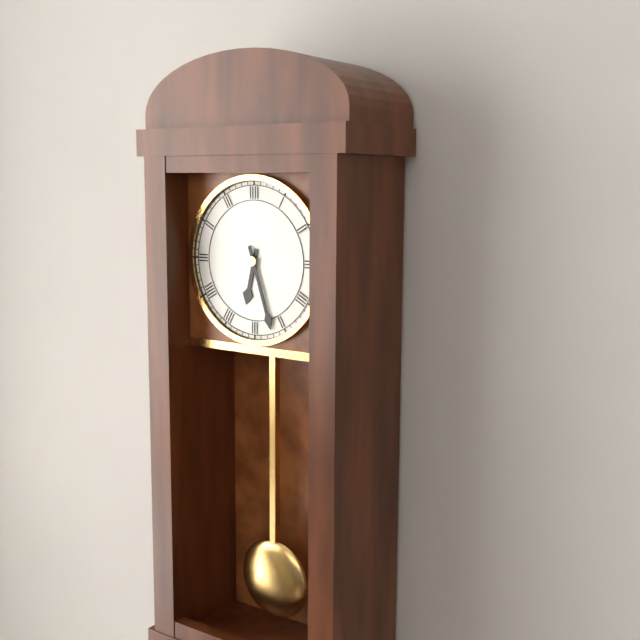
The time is **6:27**
